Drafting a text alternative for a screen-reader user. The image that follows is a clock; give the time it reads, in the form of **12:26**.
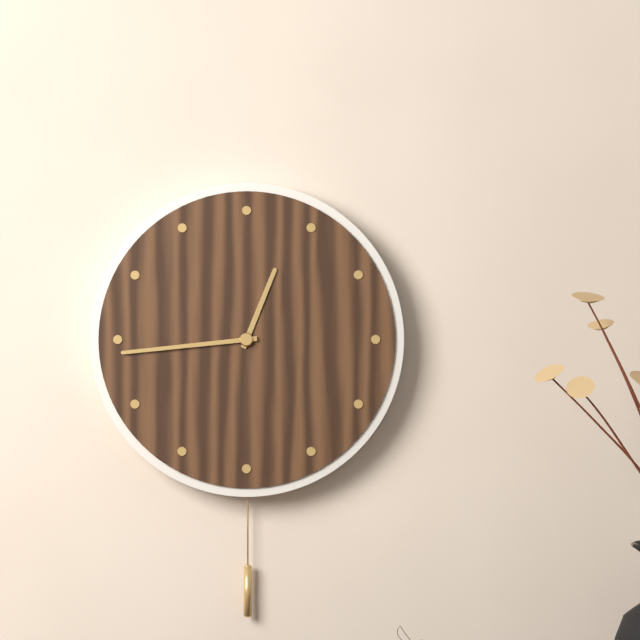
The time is **12:44**
